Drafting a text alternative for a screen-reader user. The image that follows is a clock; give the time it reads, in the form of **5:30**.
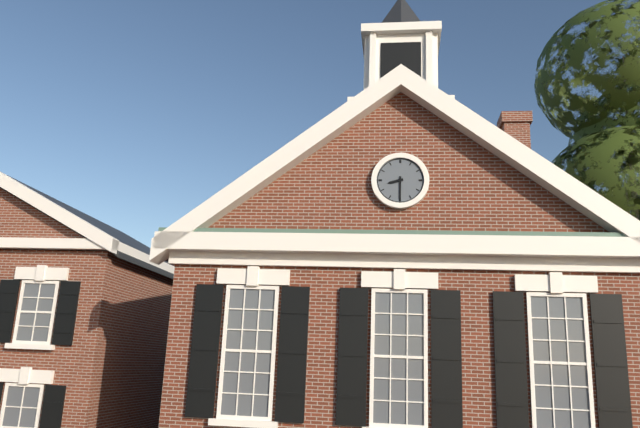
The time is **8:30**
